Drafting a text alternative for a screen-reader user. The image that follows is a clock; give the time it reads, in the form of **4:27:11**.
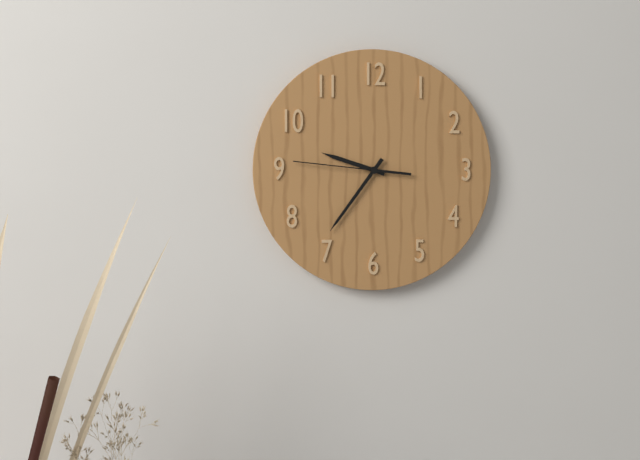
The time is **9:36:46**
